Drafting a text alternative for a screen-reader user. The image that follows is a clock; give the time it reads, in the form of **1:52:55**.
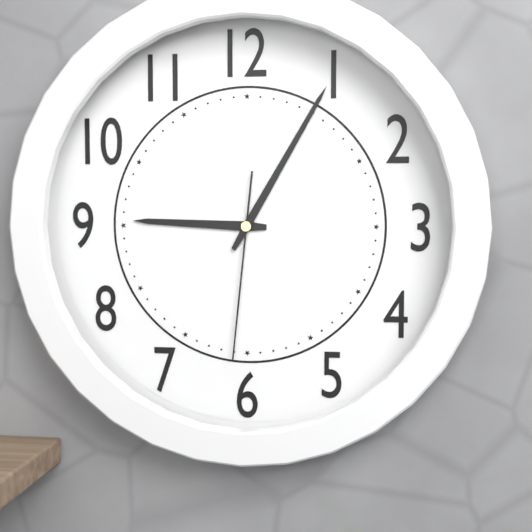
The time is **9:05:31**
